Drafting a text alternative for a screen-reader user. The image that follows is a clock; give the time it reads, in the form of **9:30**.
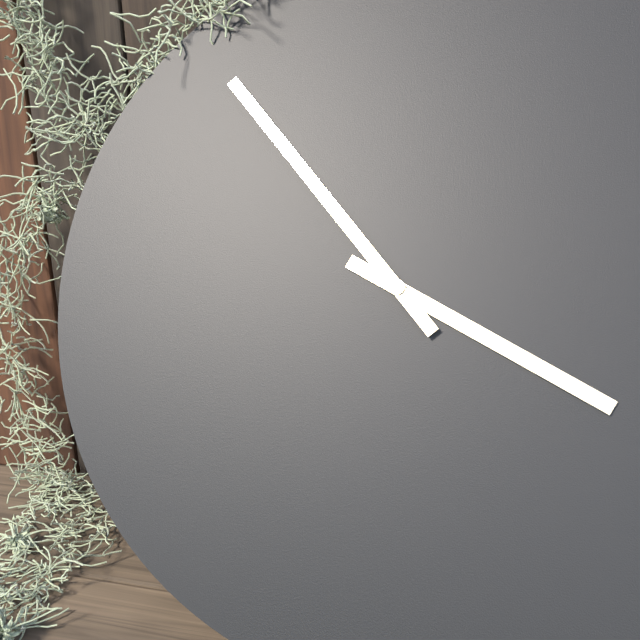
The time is **3:53**
